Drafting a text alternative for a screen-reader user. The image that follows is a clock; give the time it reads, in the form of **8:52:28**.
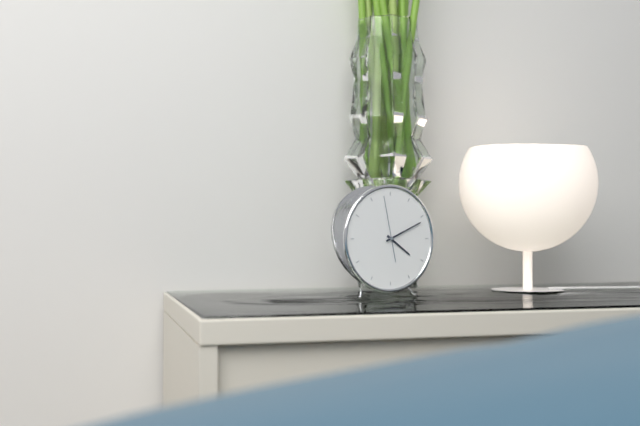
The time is **4:11:58**
